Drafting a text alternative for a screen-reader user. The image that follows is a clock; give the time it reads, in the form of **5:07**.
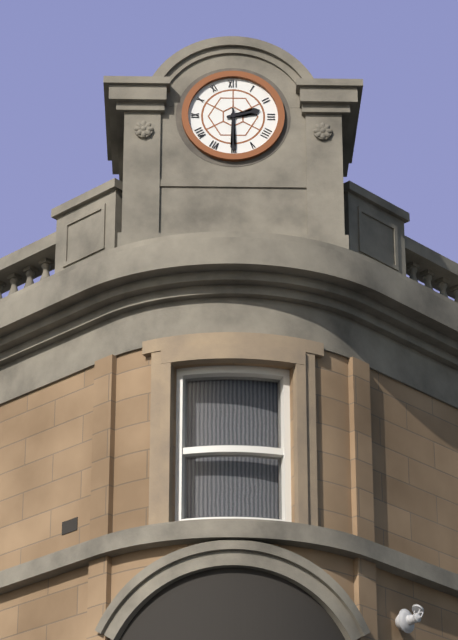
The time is **2:30**
